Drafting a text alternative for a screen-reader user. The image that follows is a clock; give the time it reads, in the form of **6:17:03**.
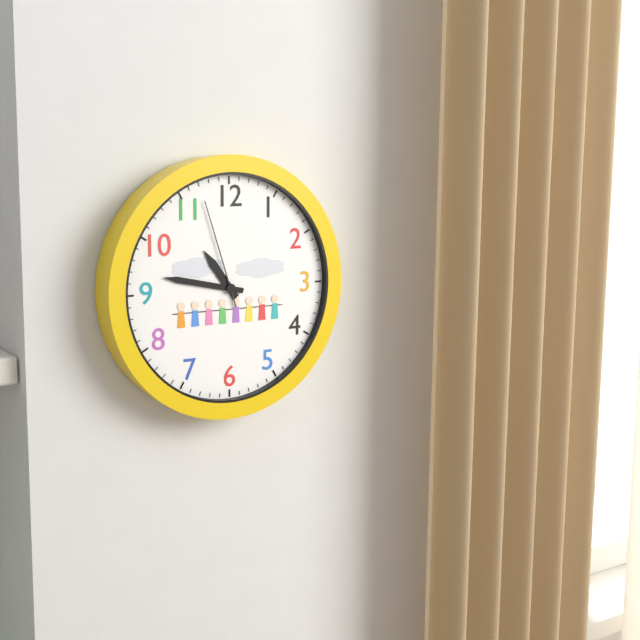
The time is **10:47:57**
